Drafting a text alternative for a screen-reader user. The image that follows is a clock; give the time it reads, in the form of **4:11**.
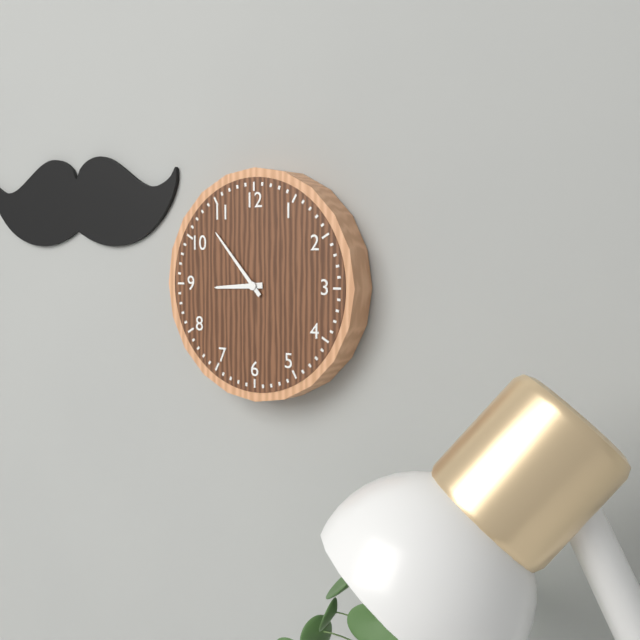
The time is **8:53**
